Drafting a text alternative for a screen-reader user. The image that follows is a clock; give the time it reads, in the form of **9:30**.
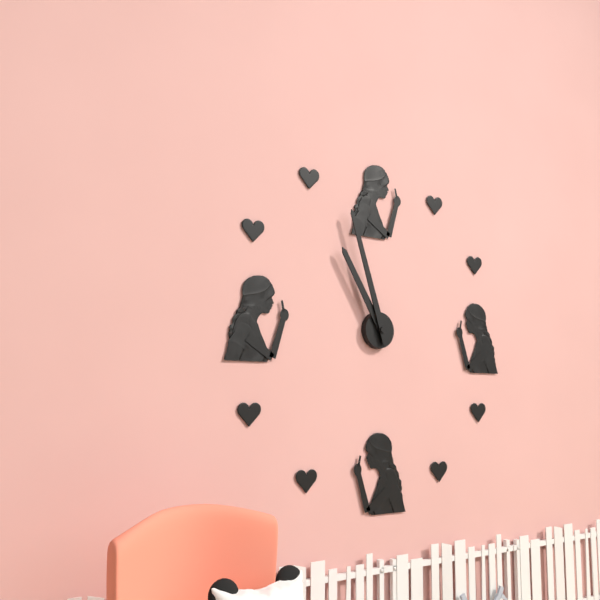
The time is **10:57**
